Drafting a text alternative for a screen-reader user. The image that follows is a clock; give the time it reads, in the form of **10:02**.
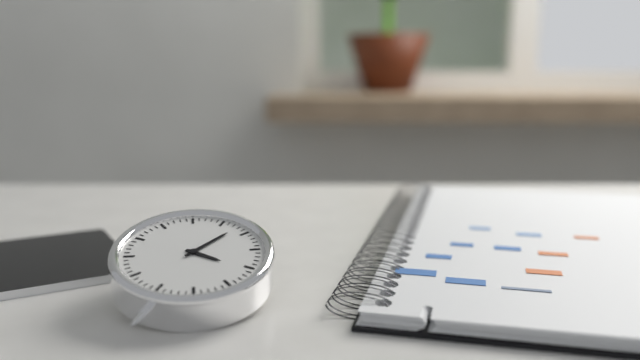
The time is **4:08**
